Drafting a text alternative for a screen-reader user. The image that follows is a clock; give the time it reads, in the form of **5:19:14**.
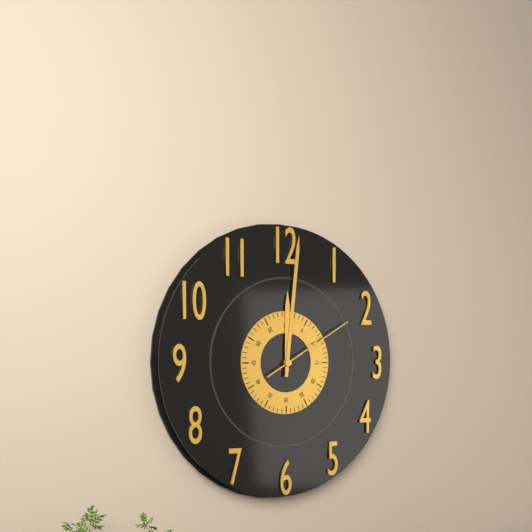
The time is **12:01:10**
